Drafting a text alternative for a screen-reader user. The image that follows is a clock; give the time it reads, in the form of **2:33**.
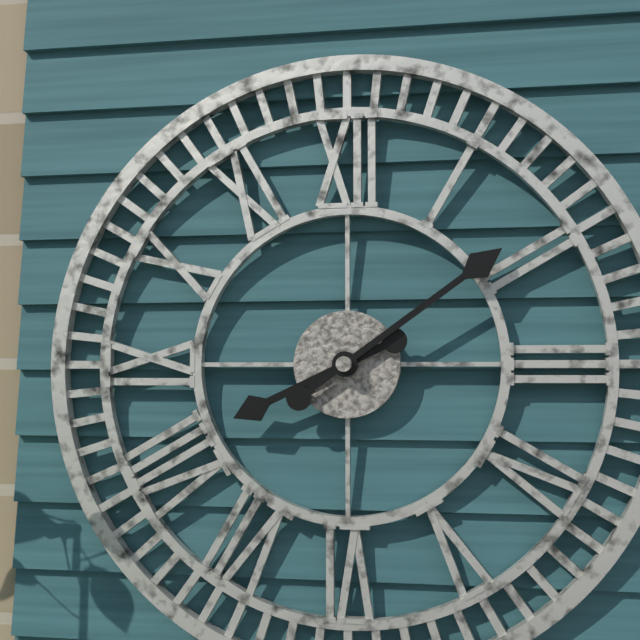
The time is **8:09**
